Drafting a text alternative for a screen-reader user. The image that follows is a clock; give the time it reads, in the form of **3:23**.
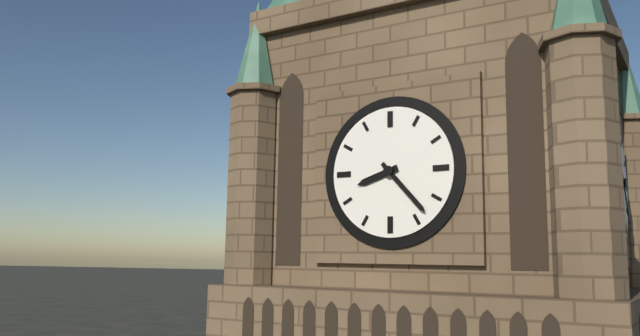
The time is **8:23**
